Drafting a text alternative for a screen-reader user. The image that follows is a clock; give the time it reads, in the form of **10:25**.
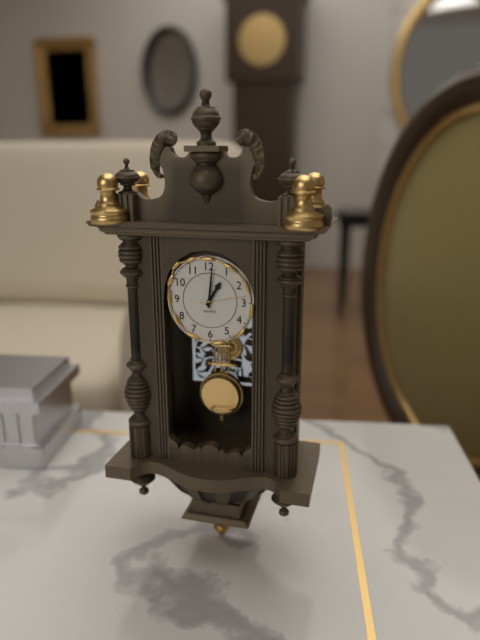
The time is **1:01**
